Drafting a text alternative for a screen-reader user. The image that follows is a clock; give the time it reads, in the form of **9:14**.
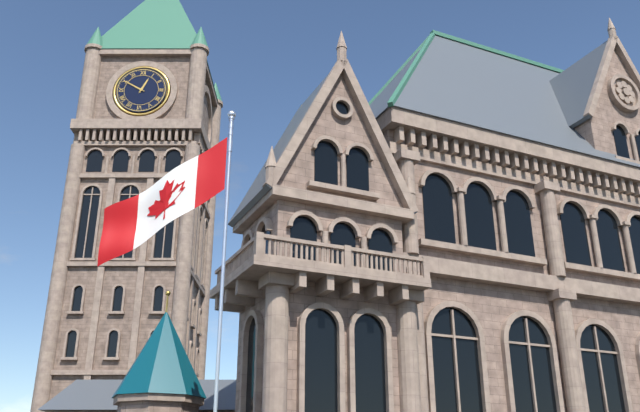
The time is **12:50**
